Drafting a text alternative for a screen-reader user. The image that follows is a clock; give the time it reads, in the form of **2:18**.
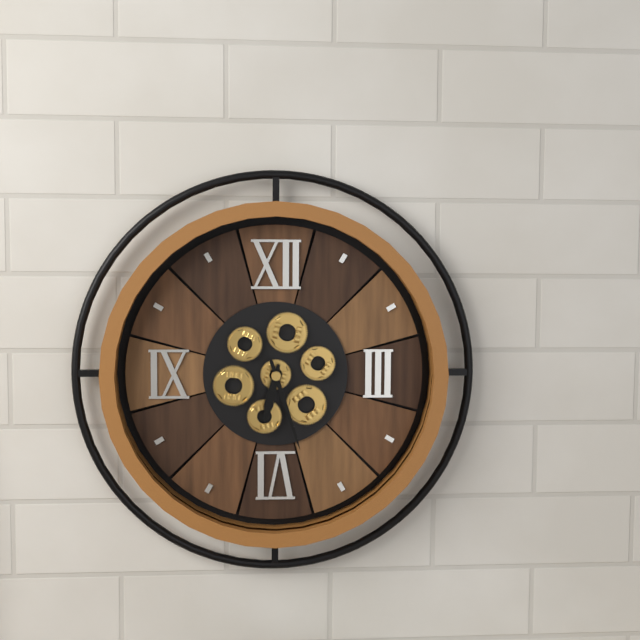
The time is **6:27**
